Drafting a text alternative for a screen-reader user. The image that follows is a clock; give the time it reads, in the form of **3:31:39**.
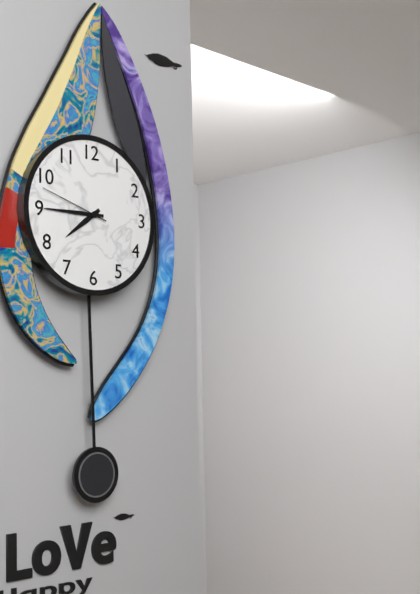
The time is **7:45:48**
